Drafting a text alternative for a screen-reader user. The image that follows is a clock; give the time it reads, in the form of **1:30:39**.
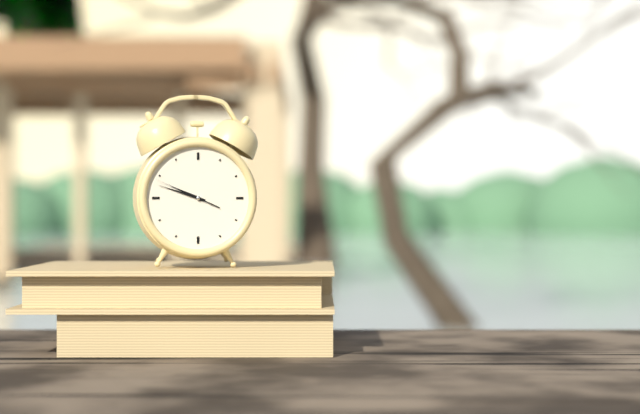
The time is **9:48:49**
